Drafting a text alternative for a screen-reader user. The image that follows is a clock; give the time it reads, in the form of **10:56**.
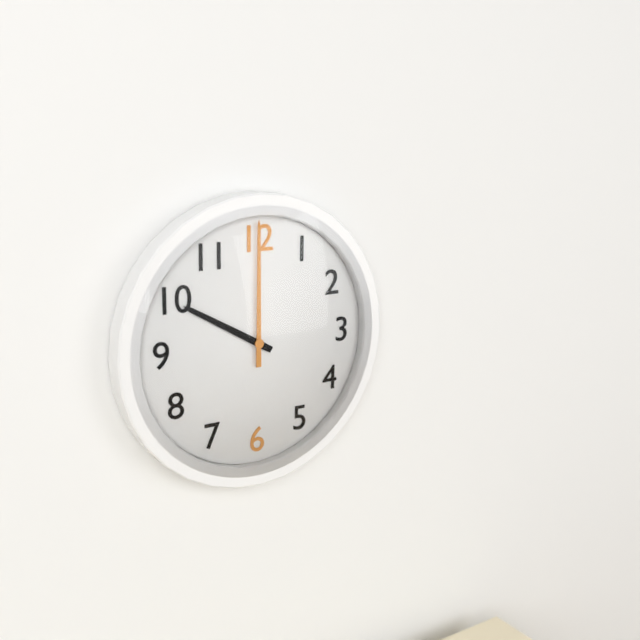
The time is **10:00**
